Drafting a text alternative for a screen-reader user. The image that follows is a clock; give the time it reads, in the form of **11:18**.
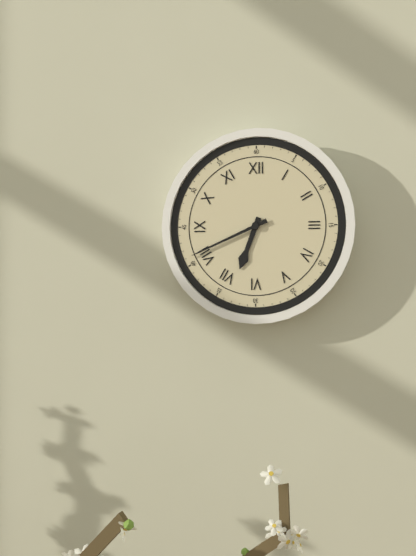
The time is **6:41**
